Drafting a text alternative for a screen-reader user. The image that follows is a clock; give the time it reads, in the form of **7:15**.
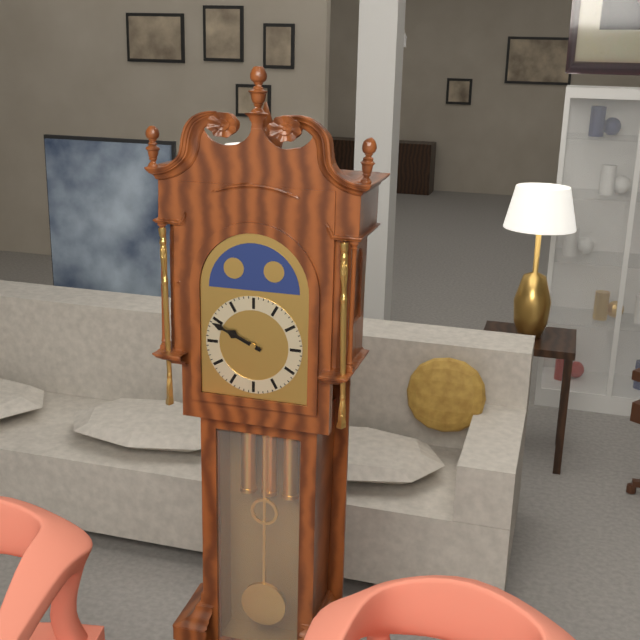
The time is **9:49**
